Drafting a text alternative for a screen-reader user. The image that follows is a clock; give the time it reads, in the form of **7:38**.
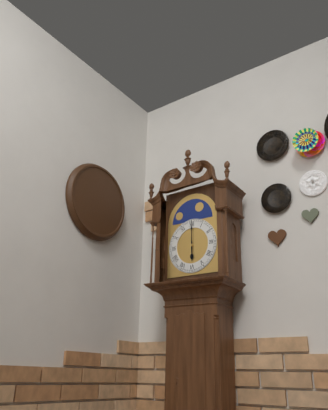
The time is **6:00**
